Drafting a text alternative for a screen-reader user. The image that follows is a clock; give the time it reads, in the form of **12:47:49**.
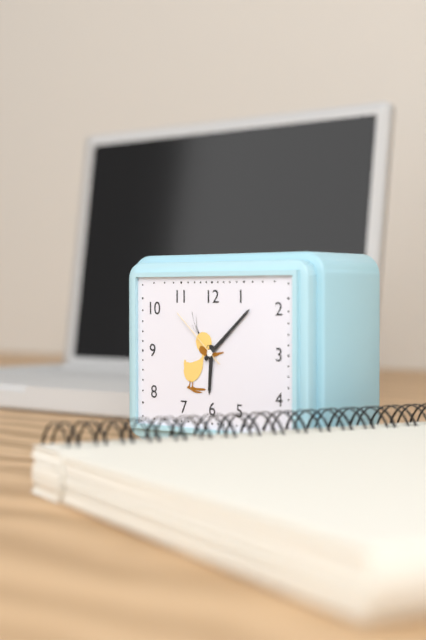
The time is **6:08:52**
